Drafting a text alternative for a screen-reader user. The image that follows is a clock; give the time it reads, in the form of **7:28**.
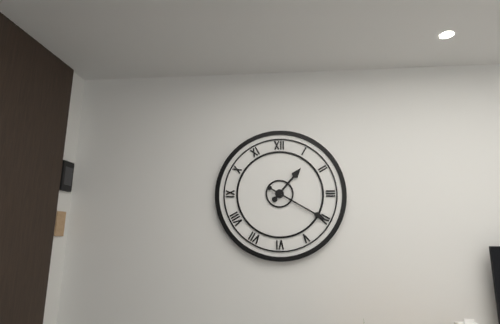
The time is **1:20**
